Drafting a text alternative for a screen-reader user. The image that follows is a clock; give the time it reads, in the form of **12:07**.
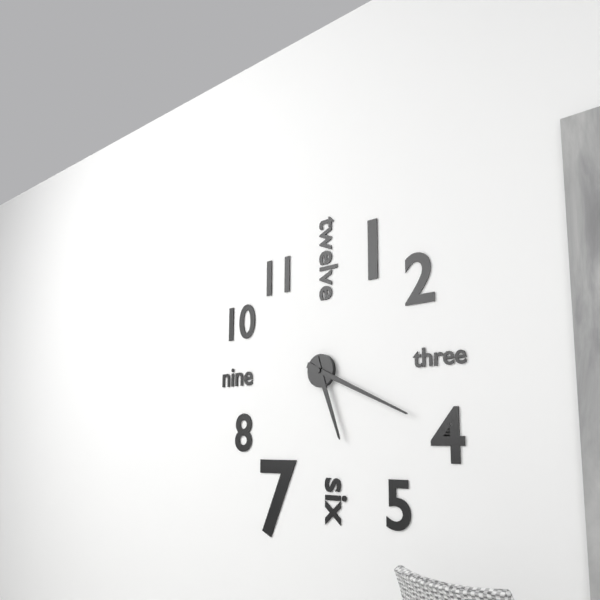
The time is **5:19**
